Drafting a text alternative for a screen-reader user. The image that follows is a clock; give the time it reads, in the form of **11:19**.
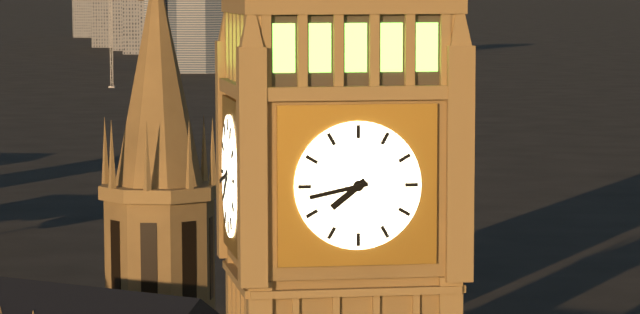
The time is **7:43**
